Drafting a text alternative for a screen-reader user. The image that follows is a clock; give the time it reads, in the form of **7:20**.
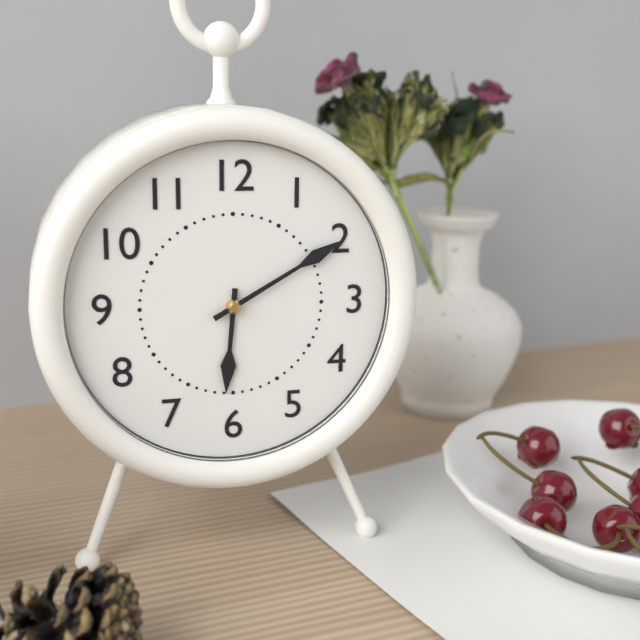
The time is **6:10**
